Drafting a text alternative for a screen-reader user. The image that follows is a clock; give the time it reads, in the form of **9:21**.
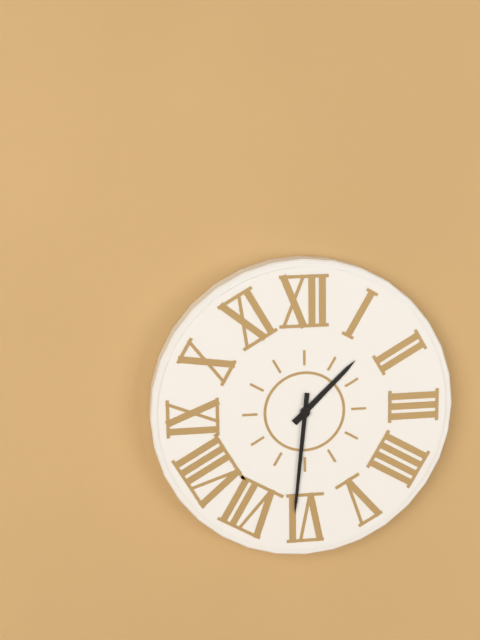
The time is **1:31**
